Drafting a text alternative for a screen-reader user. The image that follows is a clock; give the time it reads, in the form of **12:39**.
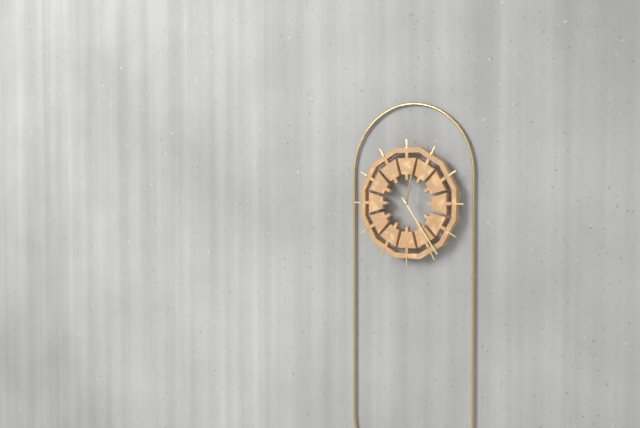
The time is **12:24**
